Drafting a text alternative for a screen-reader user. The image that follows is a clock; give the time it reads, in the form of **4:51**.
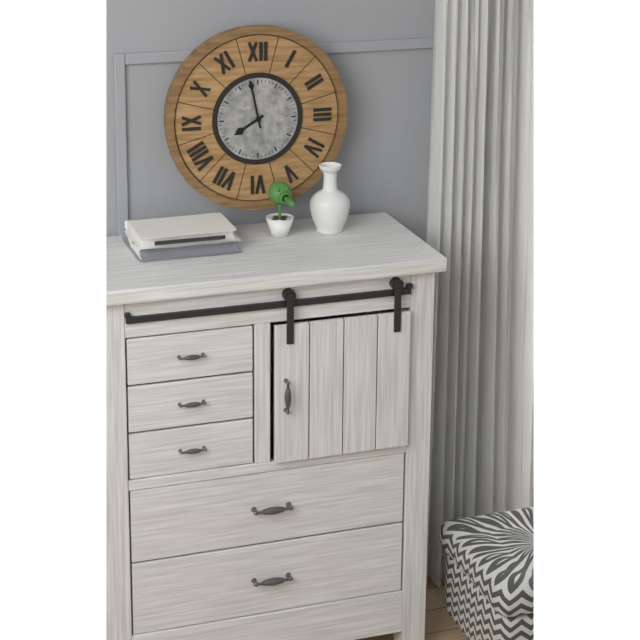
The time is **7:58**
